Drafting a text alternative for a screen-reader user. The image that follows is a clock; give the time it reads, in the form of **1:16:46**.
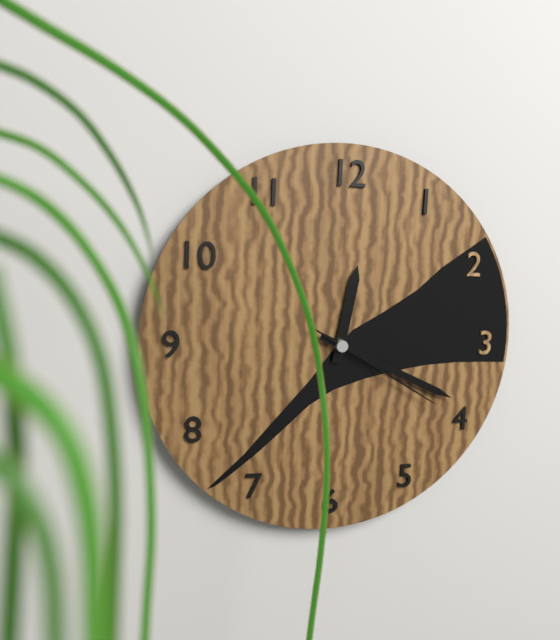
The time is **12:19:20**
